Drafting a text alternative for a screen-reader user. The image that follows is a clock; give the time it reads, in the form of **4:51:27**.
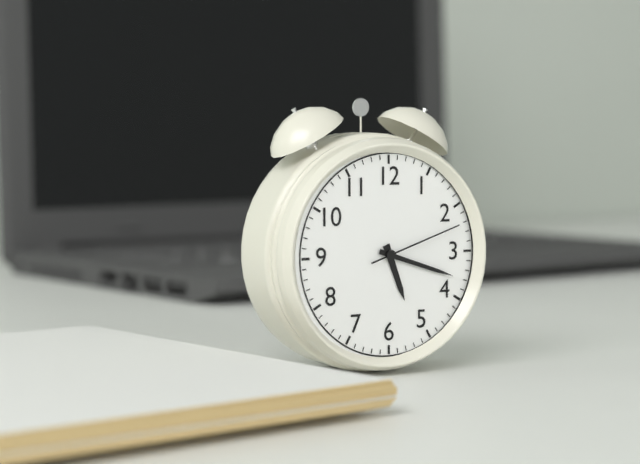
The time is **5:18:12**
